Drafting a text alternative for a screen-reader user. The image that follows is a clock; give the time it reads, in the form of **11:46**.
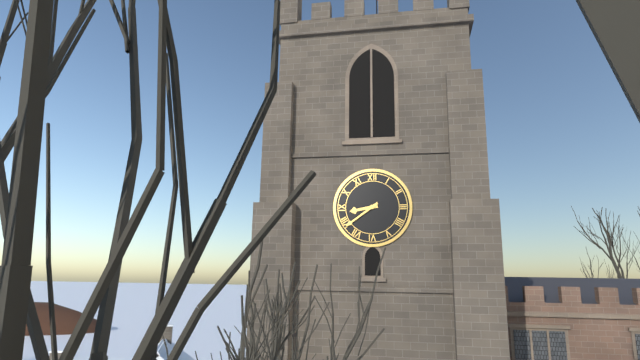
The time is **8:39**
